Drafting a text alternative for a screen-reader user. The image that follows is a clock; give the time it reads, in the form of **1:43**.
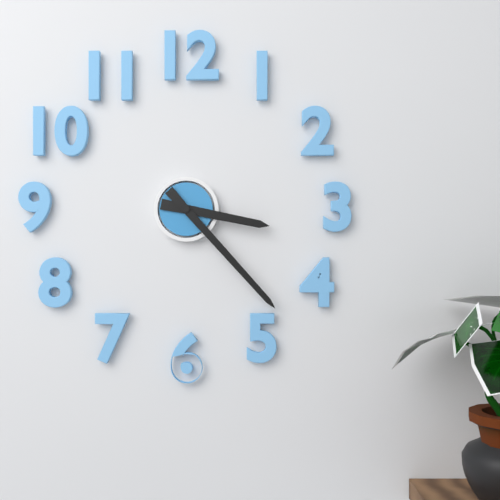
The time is **3:23**
